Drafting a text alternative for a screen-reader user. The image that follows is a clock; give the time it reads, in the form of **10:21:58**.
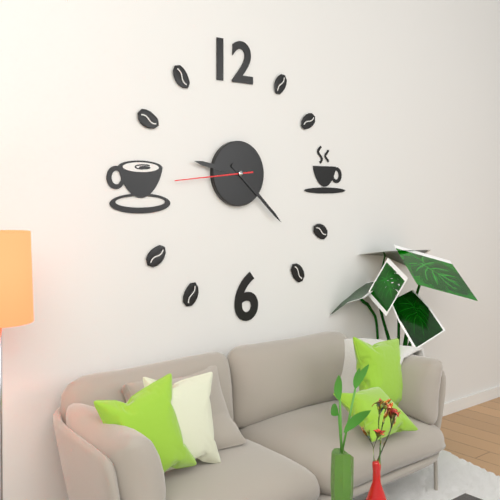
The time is **9:22:44**
